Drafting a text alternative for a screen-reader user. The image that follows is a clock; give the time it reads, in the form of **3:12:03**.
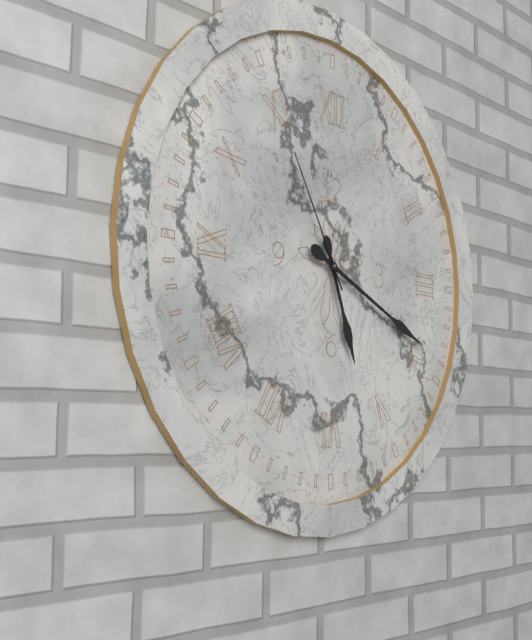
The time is **5:19:55**
